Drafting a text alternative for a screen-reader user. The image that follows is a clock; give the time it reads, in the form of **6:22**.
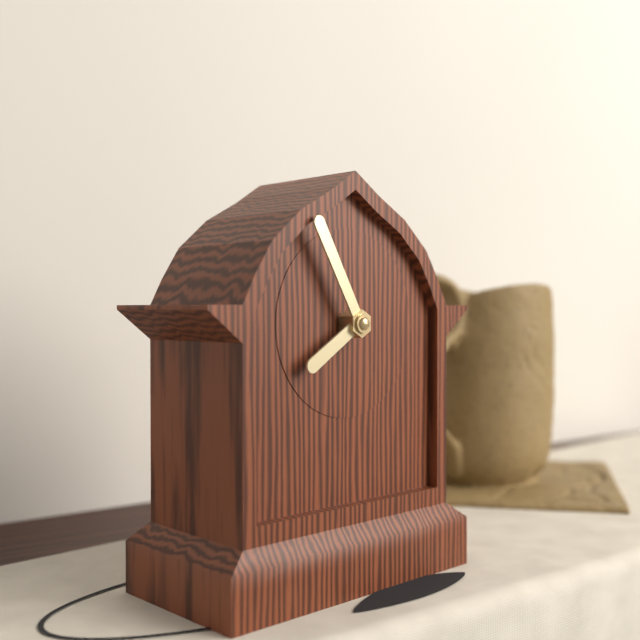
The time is **7:55**
